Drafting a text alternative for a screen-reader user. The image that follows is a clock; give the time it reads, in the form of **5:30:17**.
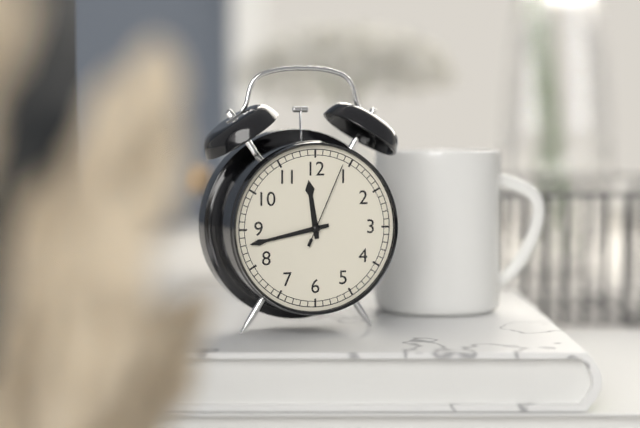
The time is **11:43:04**
